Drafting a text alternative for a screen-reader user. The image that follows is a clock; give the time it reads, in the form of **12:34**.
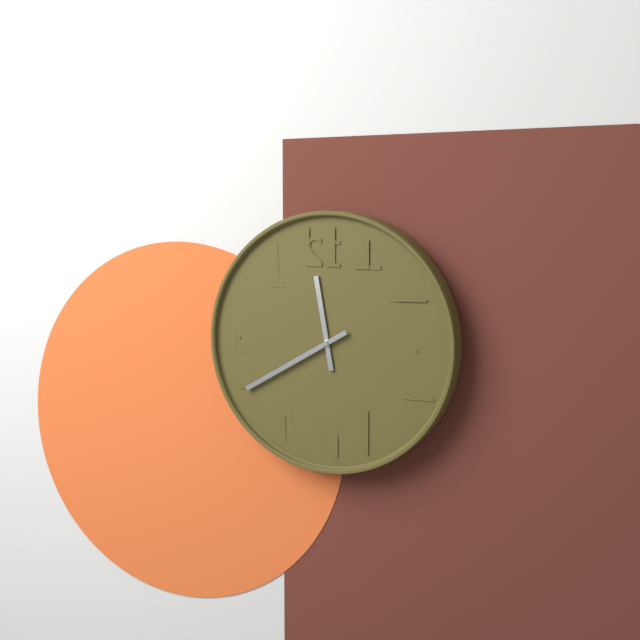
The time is **11:40**
